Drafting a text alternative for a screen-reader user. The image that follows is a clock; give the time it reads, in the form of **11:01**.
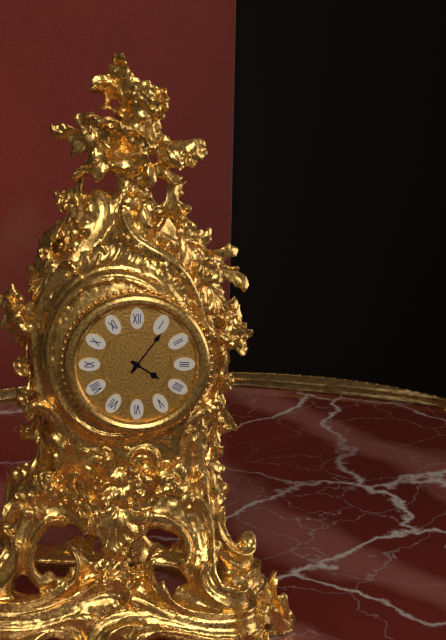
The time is **4:06**
